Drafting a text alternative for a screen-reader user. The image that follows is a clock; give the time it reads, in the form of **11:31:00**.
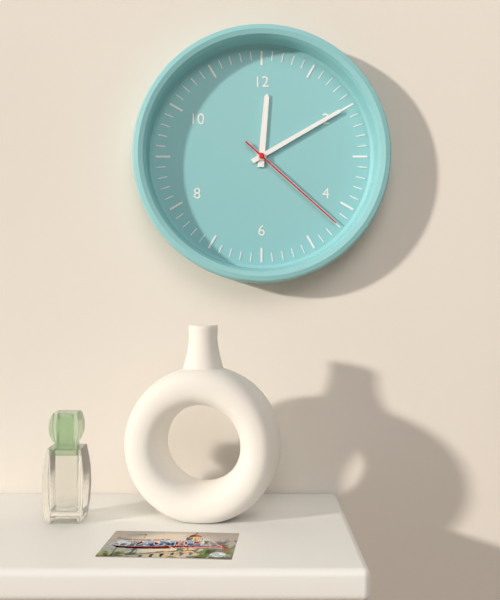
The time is **12:10:22**
